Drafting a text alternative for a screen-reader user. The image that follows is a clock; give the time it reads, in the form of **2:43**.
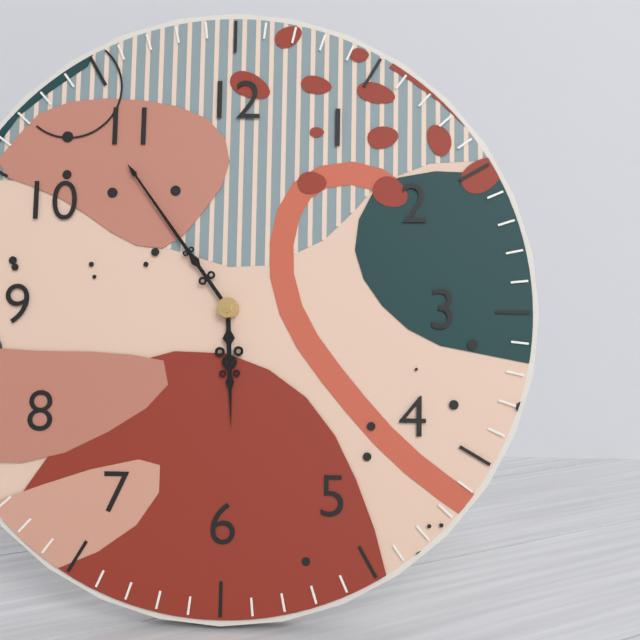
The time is **5:54**
